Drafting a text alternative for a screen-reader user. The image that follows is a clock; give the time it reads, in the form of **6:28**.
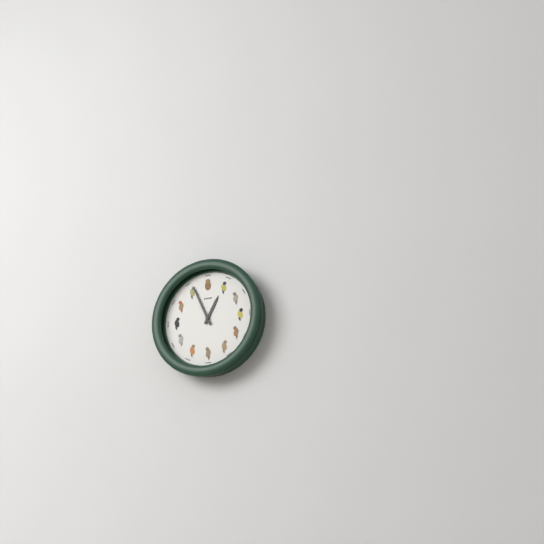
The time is **12:56**
